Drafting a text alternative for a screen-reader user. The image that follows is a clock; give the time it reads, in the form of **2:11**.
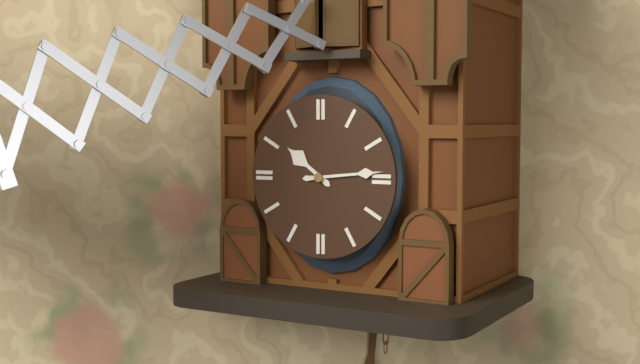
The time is **10:14**
